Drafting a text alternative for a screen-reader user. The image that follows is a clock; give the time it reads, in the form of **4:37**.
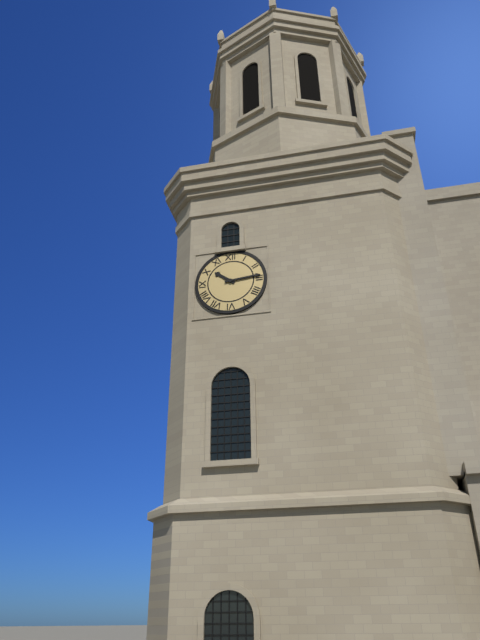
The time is **10:14**
